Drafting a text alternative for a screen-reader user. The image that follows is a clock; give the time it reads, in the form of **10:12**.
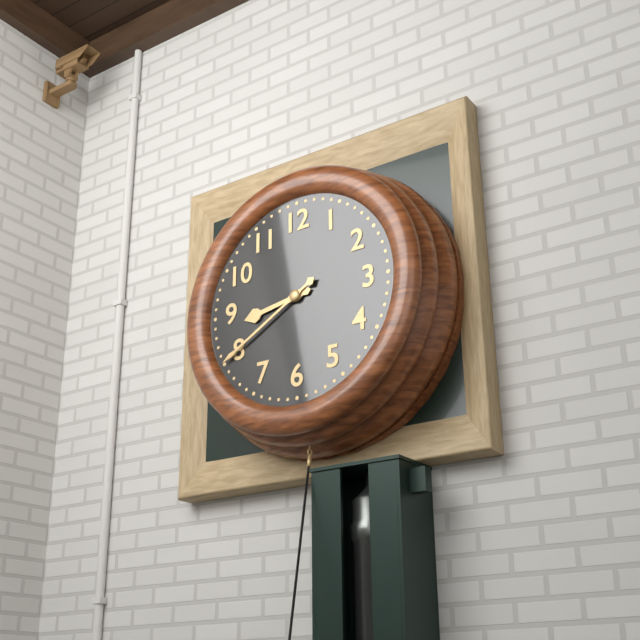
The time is **8:40**
